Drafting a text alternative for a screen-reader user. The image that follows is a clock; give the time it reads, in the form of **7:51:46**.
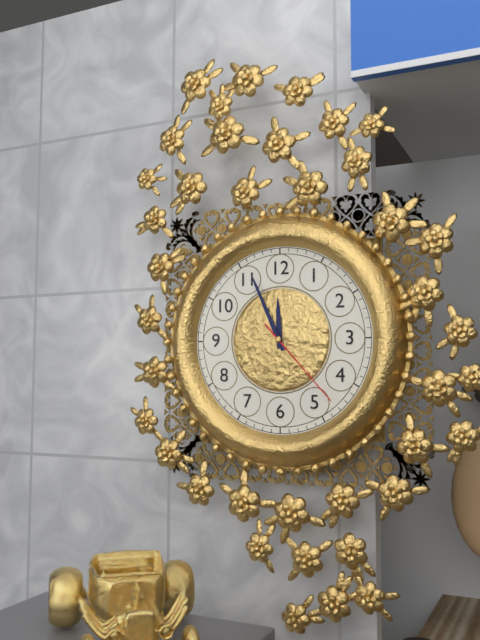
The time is **11:56:23**
